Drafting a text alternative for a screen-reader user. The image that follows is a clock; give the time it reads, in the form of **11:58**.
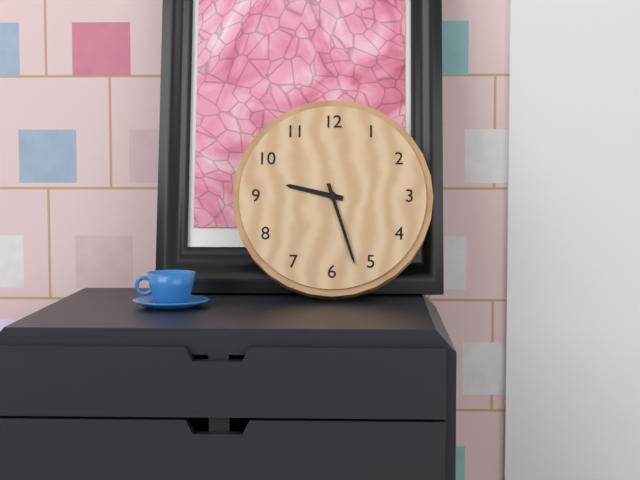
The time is **9:27**
